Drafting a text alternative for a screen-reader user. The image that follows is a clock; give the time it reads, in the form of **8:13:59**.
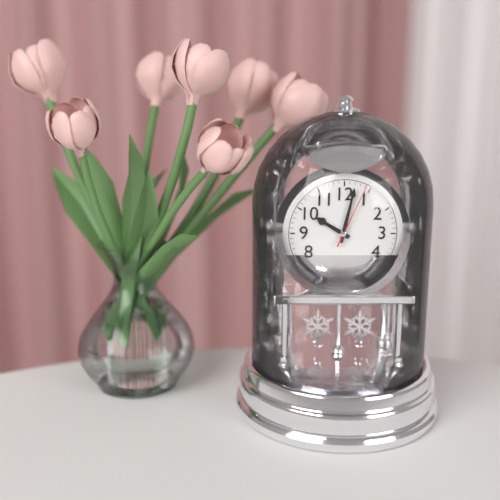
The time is **10:02:04**
